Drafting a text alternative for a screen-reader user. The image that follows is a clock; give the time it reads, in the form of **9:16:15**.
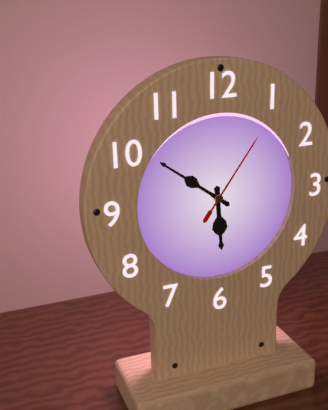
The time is **5:51:06**
